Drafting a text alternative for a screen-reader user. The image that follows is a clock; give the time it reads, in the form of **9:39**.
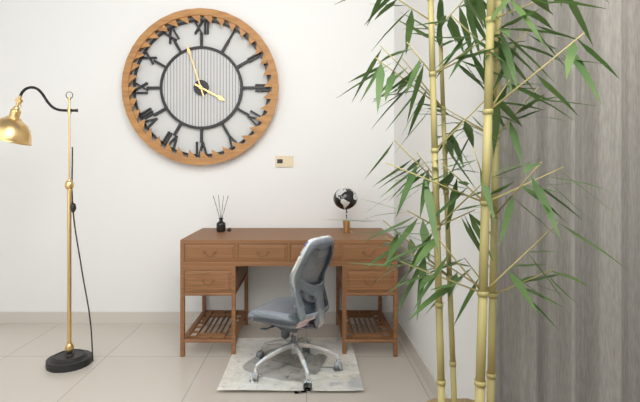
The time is **3:57**
